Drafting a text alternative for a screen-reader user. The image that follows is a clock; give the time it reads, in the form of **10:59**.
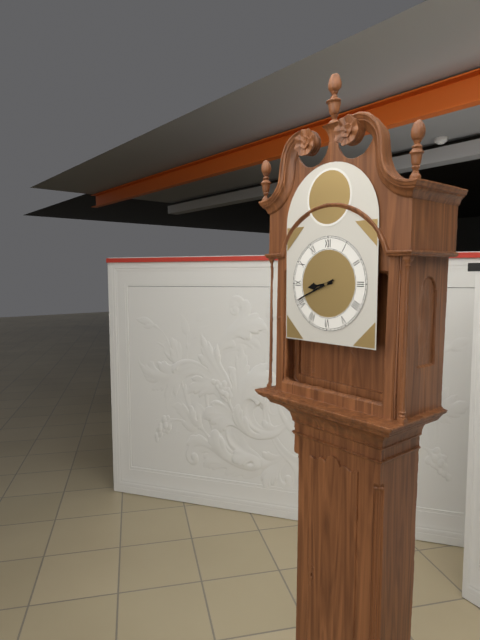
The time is **8:41**
